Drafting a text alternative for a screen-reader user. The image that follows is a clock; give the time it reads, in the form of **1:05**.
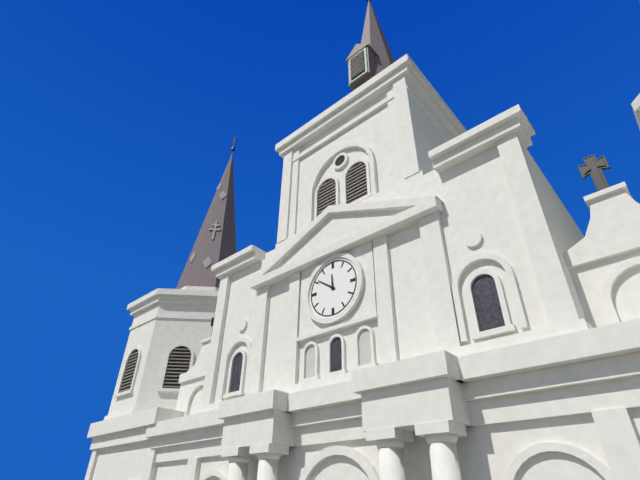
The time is **11:51**
